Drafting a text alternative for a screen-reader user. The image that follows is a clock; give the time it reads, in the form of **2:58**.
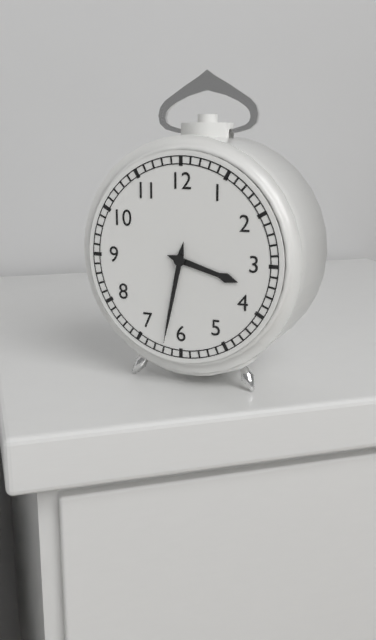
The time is **3:32**
